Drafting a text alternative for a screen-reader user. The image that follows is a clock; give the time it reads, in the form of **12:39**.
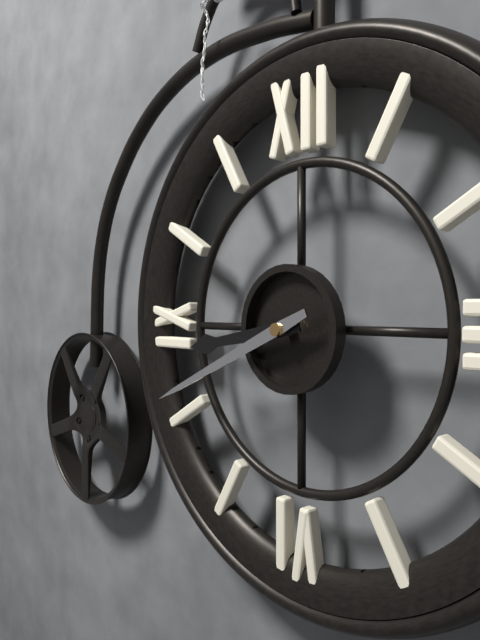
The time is **8:41**
